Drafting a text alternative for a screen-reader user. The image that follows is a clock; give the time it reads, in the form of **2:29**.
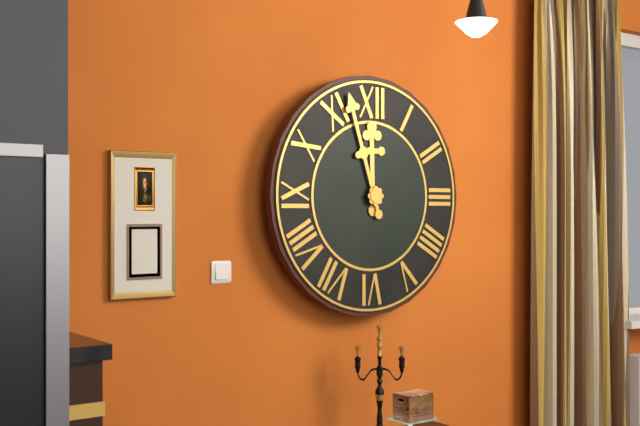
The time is **11:57**
